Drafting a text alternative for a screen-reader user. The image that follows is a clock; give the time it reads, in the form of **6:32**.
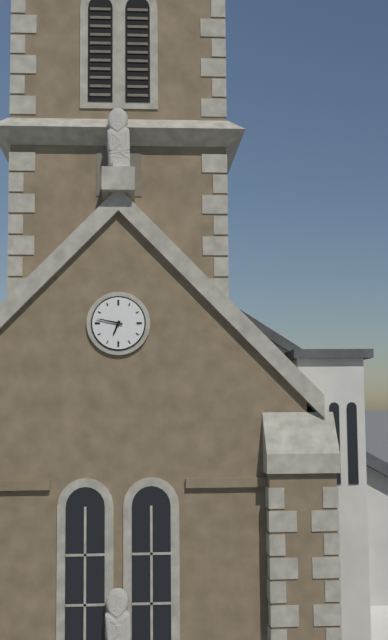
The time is **6:47**
